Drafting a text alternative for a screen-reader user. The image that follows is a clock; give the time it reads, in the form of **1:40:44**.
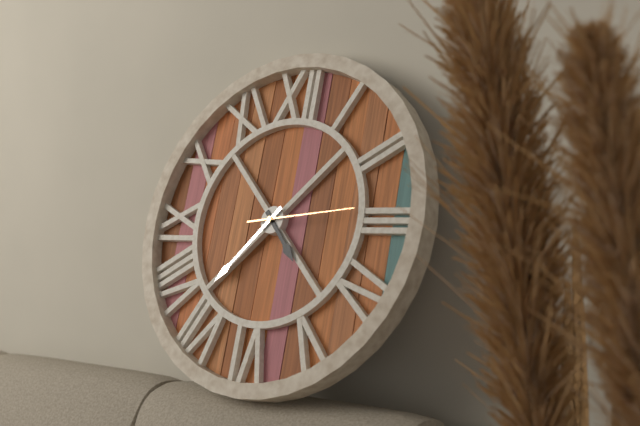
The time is **4:37:14**
